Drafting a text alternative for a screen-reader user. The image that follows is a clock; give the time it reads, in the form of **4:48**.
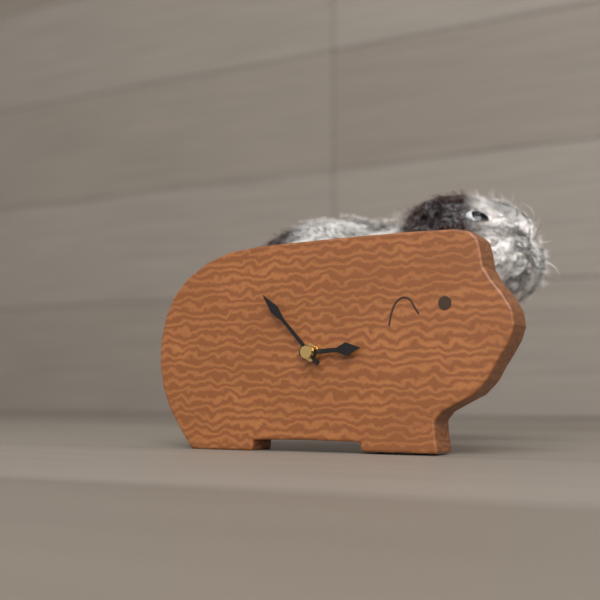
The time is **2:53**
